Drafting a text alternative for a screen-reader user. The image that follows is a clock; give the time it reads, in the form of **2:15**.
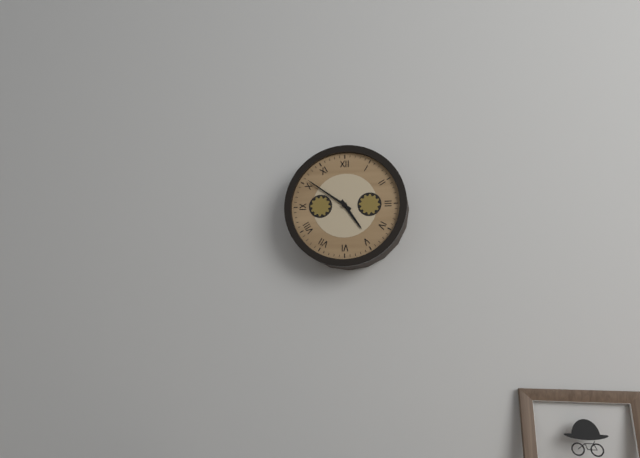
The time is **4:51**
